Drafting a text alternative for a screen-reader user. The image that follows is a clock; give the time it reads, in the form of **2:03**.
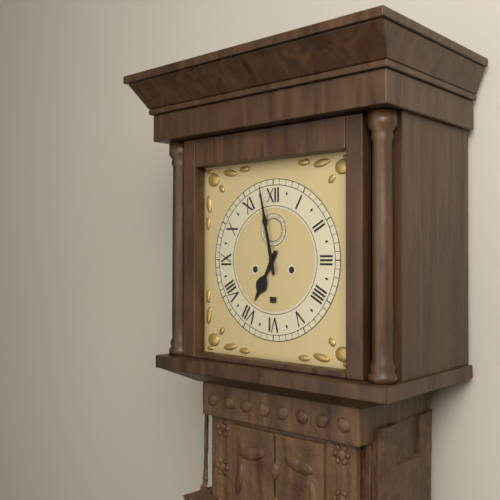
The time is **6:58**
